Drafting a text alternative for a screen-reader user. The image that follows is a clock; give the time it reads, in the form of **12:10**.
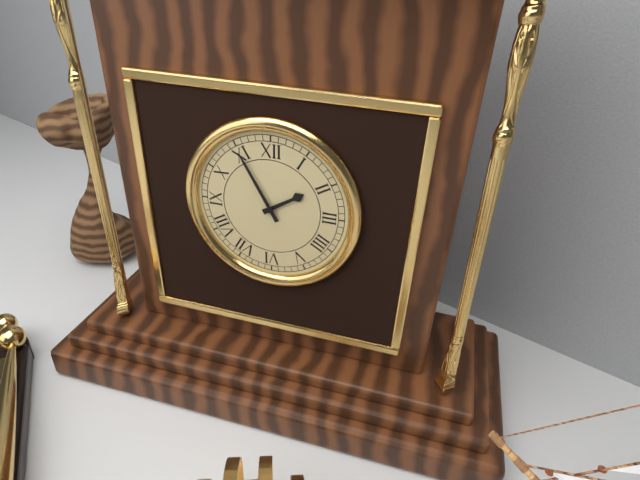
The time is **1:55**
